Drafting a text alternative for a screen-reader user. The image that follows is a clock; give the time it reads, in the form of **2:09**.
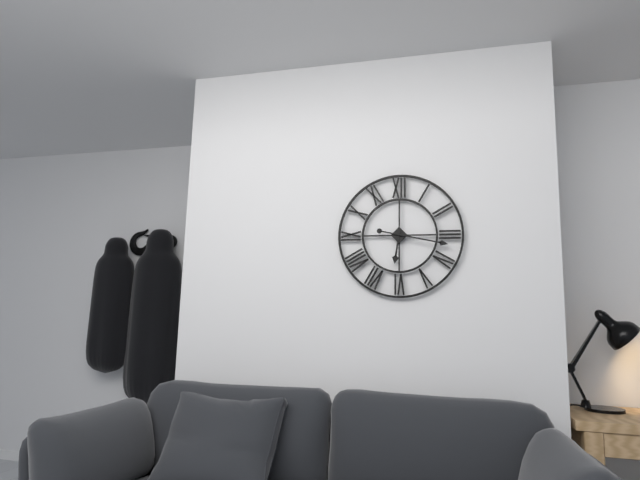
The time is **6:17**
